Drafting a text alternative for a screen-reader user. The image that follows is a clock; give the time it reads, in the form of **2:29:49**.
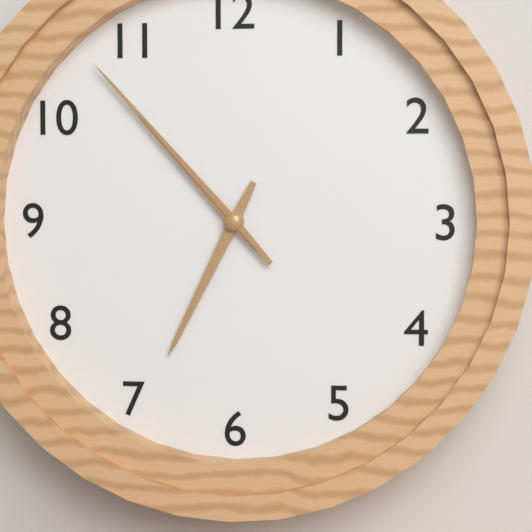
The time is **6:53:53**
